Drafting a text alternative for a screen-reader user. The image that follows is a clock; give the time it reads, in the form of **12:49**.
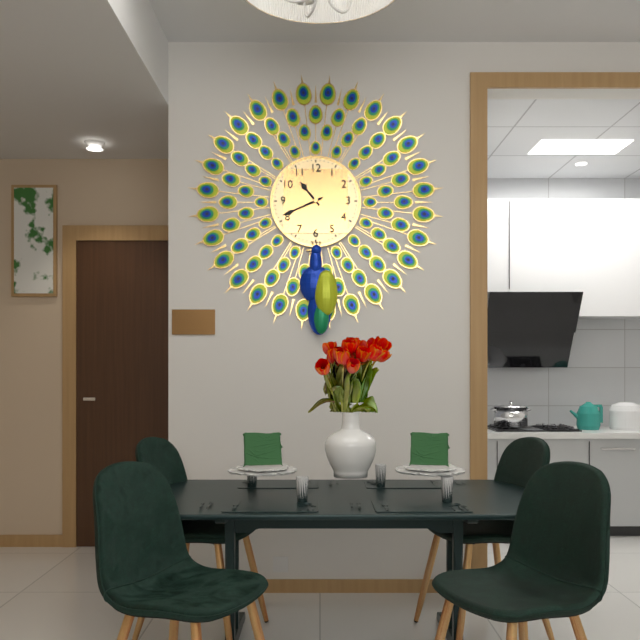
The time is **10:41**
